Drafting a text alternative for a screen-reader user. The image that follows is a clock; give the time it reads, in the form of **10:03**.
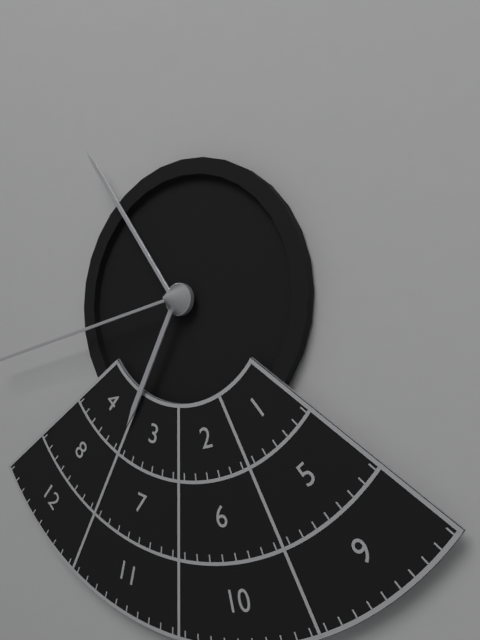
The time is **6:54**
